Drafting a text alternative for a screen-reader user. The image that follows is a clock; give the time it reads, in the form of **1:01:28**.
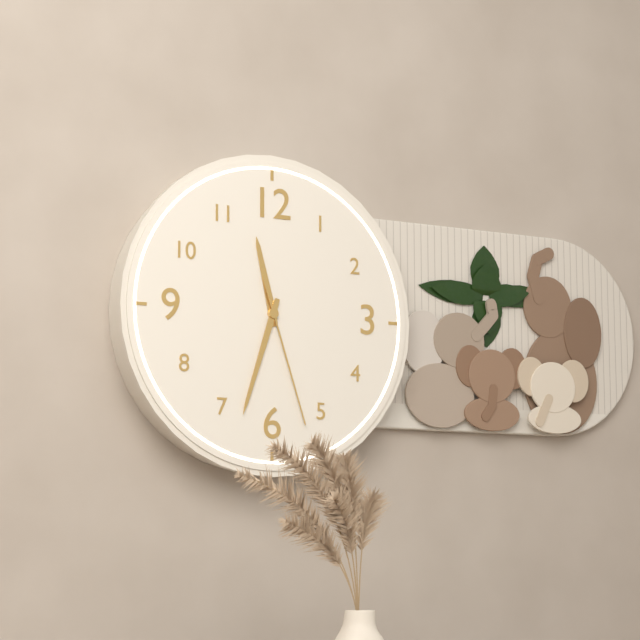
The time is **11:33:27**
